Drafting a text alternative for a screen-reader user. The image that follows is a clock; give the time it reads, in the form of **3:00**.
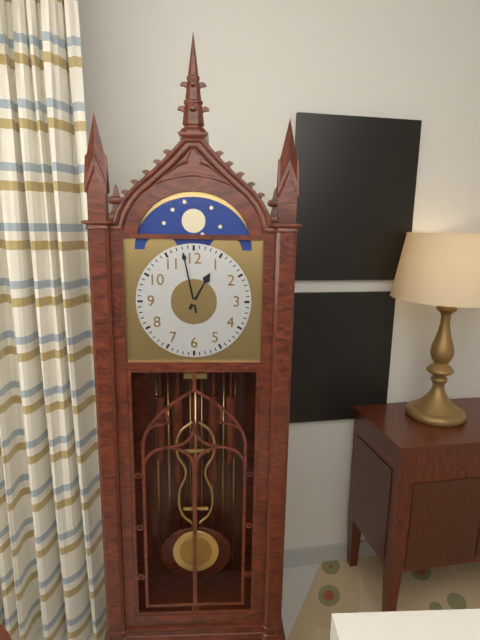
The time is **12:58**
